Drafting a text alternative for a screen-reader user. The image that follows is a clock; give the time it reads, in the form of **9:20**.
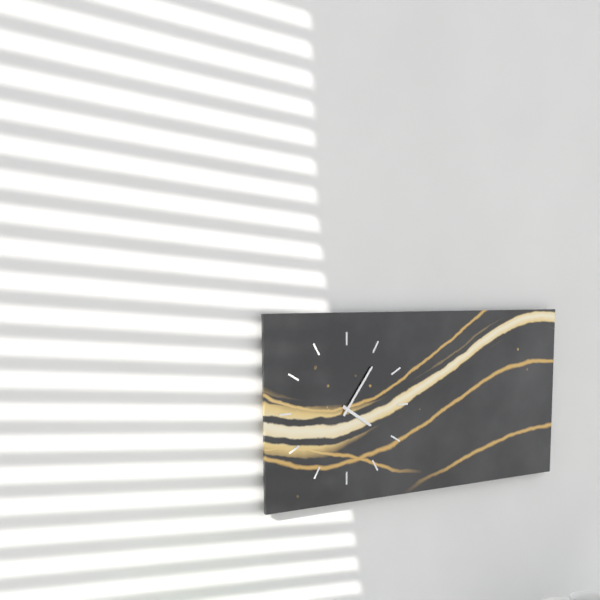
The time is **4:06**
